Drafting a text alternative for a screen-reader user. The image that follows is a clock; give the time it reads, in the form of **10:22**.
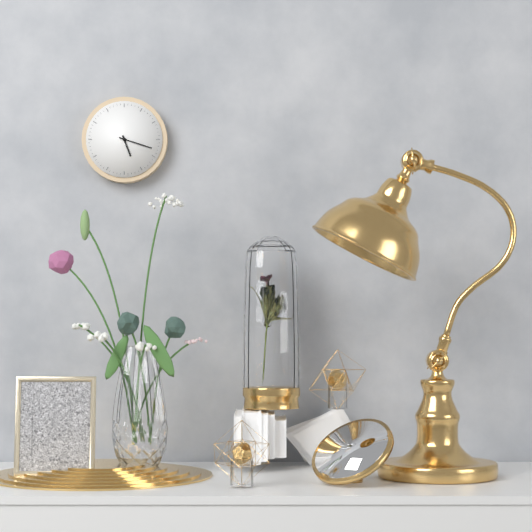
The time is **5:18**
